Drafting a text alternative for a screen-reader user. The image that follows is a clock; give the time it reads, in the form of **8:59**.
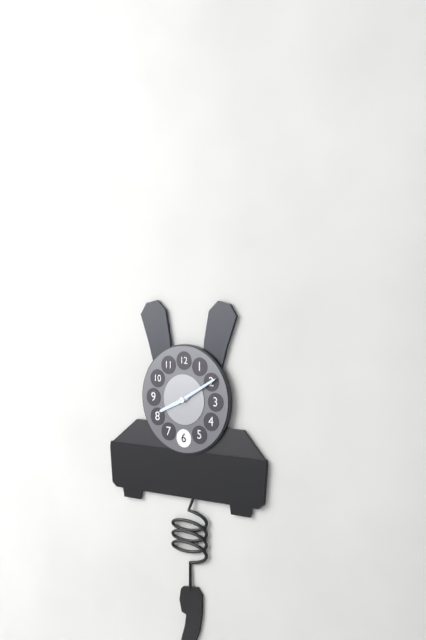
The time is **8:10**
